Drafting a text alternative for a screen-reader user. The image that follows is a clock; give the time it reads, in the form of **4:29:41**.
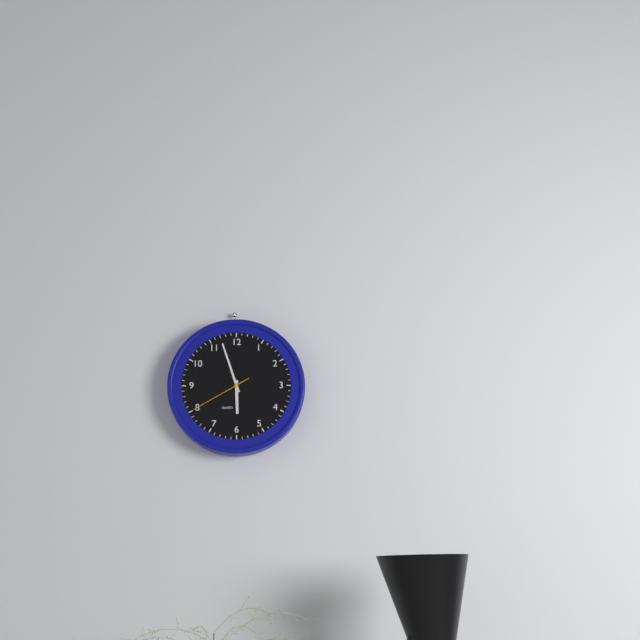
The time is **5:57:40**
